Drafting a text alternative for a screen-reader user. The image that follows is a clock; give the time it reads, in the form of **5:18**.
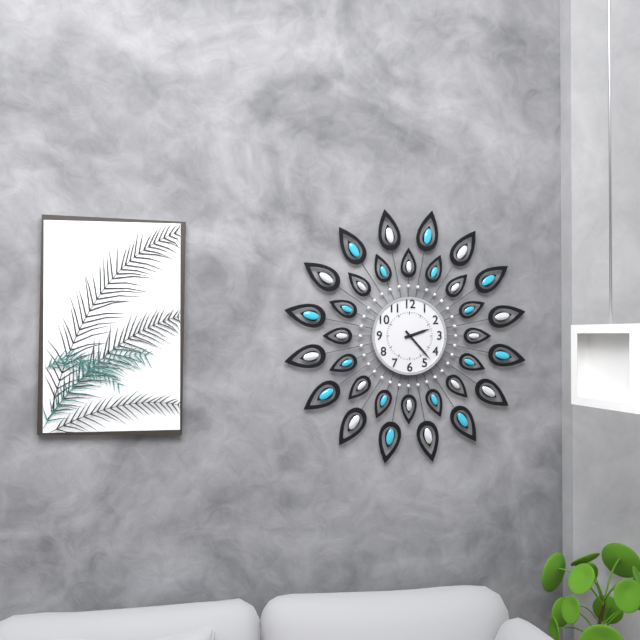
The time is **2:23**
